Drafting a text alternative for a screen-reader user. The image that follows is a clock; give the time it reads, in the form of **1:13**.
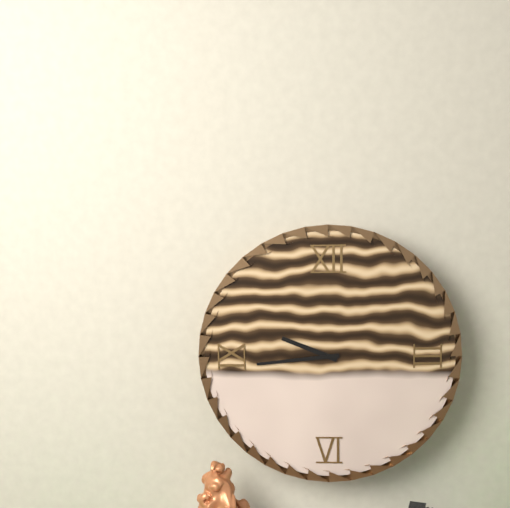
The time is **9:44**
